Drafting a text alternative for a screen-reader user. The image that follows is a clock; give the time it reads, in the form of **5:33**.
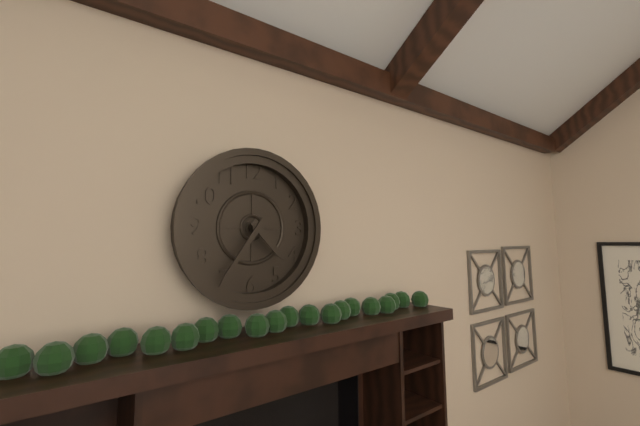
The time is **4:36**
